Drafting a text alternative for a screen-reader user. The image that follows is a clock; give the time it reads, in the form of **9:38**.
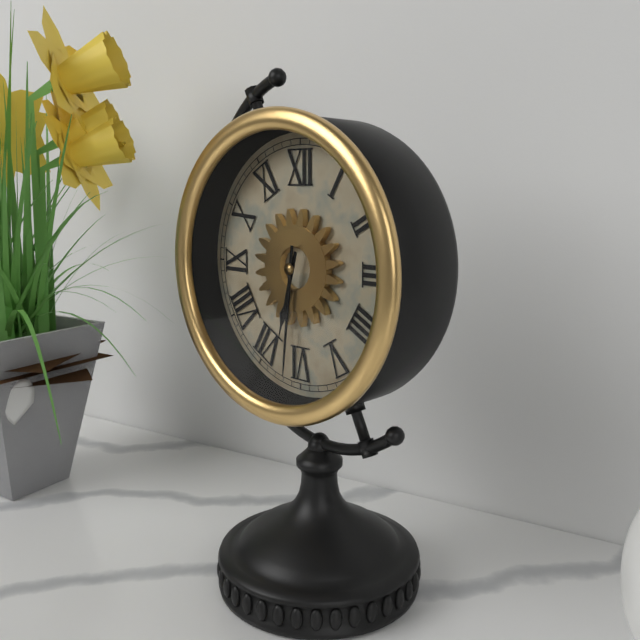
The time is **6:31**
